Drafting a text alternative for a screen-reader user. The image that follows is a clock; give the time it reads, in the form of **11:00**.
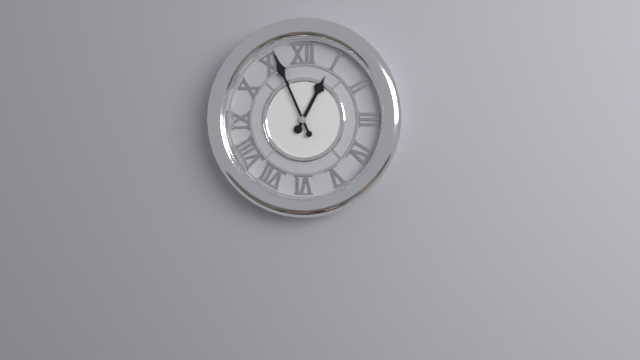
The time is **12:56**
